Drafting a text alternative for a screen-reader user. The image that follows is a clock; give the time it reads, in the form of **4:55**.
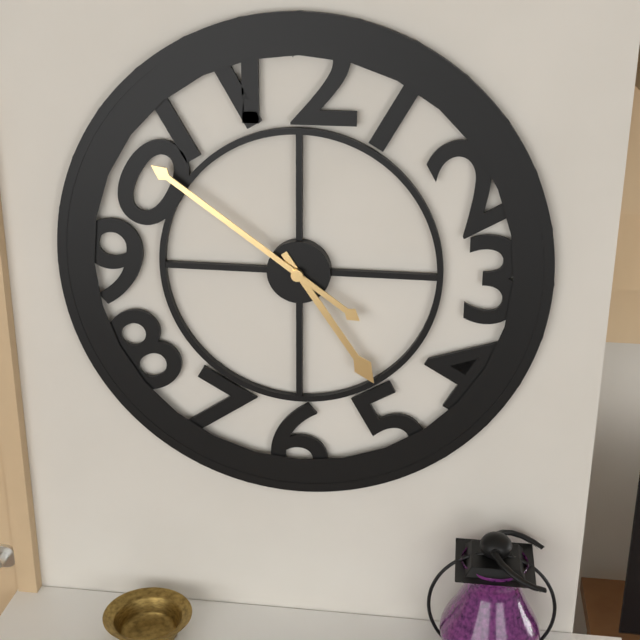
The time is **4:51**
